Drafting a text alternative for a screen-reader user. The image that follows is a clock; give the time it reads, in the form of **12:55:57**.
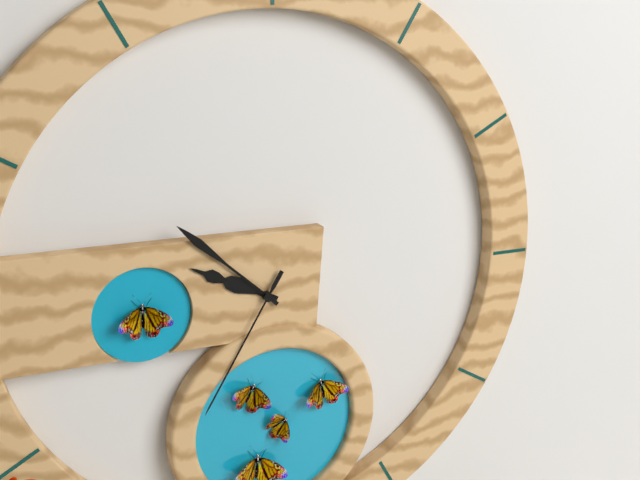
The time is **9:52:35**
